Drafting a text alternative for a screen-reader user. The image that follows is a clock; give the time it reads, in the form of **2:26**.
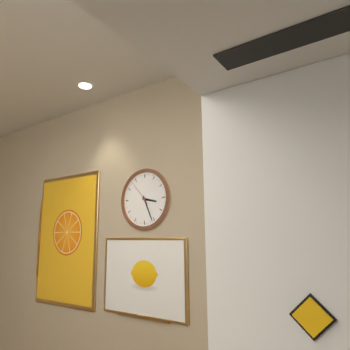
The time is **3:26**
